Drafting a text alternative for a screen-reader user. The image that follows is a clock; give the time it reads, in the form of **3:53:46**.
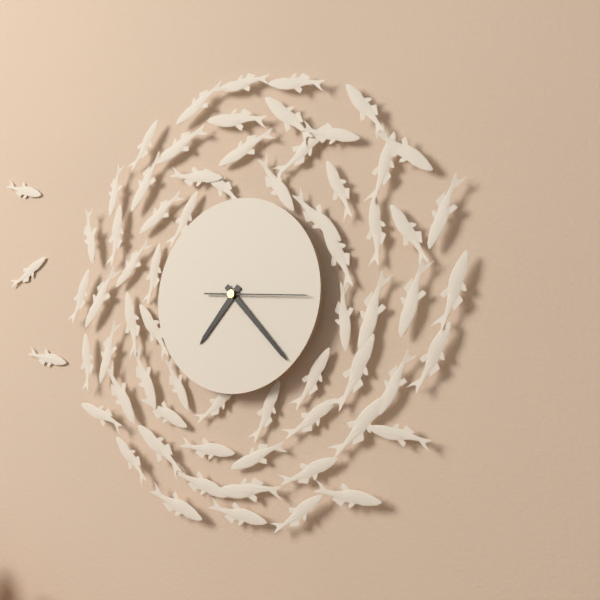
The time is **7:23:16**
